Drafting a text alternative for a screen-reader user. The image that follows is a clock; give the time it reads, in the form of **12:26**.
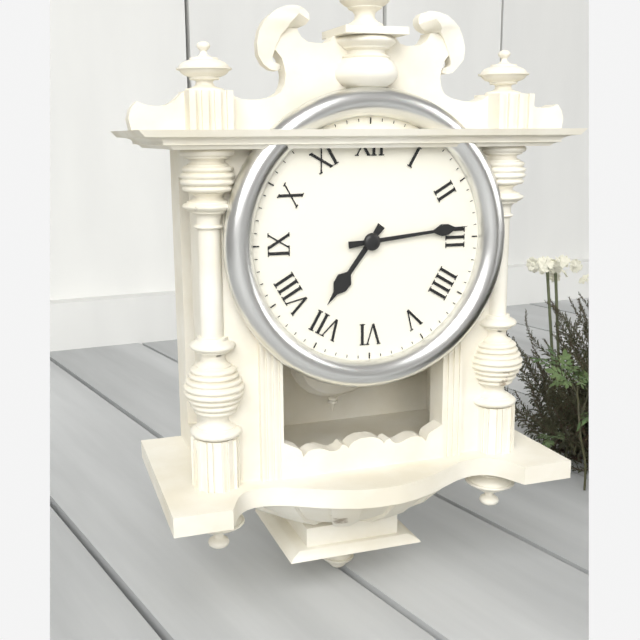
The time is **7:14**
